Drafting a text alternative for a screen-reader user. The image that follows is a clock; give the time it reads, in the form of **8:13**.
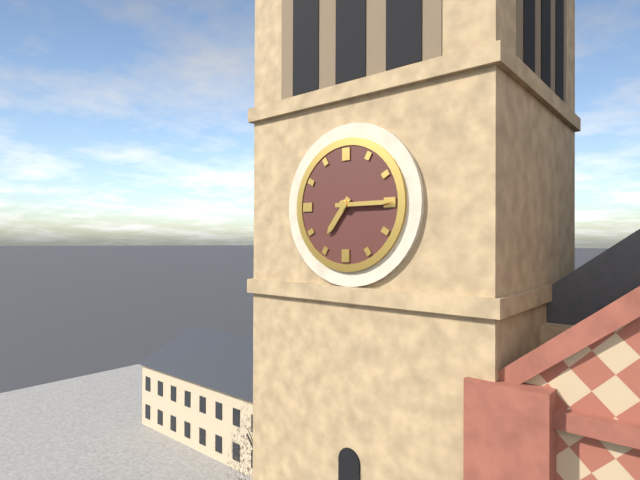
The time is **7:15**
